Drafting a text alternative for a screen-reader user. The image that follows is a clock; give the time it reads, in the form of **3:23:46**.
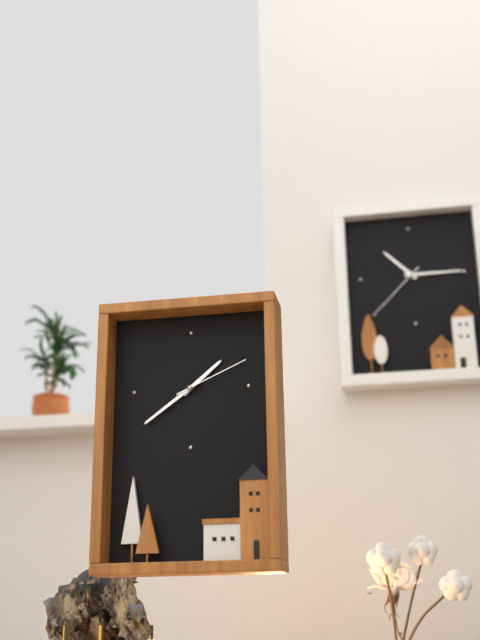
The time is **1:39:11**
